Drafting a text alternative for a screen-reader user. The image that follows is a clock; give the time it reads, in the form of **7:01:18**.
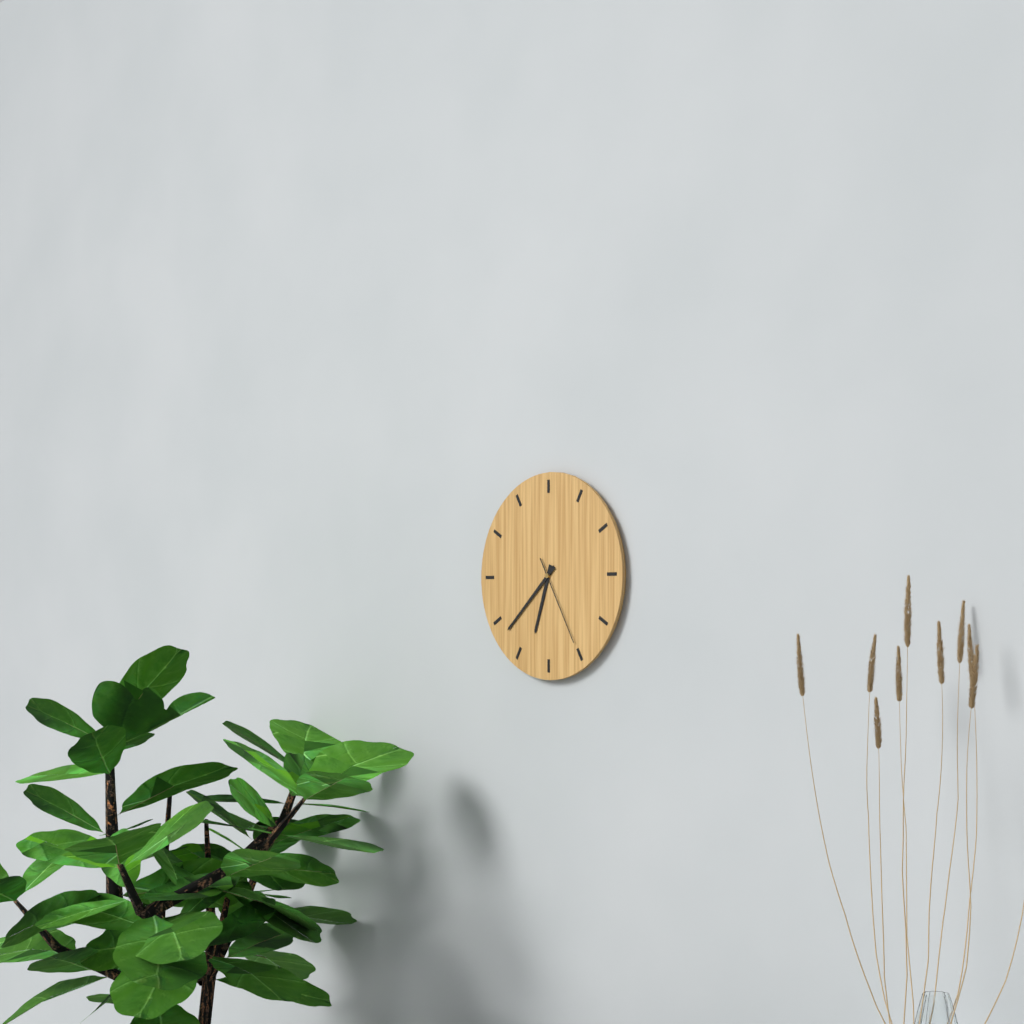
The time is **6:38:25**
